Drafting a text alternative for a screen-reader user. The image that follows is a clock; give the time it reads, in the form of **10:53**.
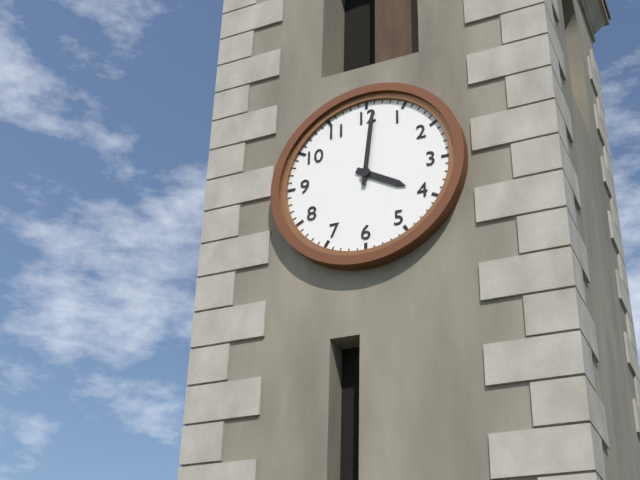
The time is **4:01**
